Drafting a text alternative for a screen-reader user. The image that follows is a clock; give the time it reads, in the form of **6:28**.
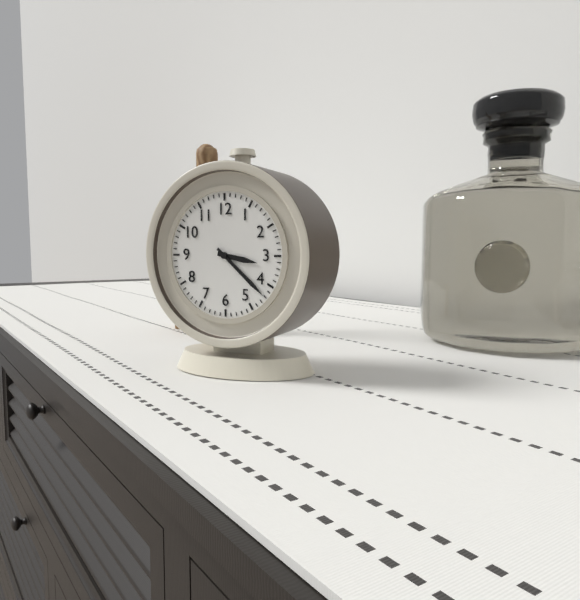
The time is **3:22**
